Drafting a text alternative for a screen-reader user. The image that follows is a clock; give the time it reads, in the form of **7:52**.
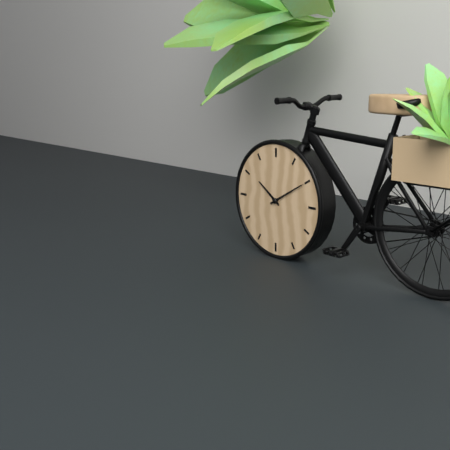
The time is **10:10**
